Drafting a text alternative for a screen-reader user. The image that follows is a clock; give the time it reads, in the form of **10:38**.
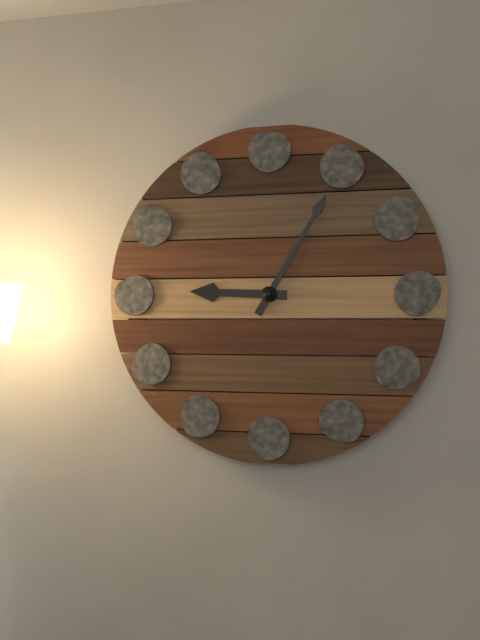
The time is **9:05**
